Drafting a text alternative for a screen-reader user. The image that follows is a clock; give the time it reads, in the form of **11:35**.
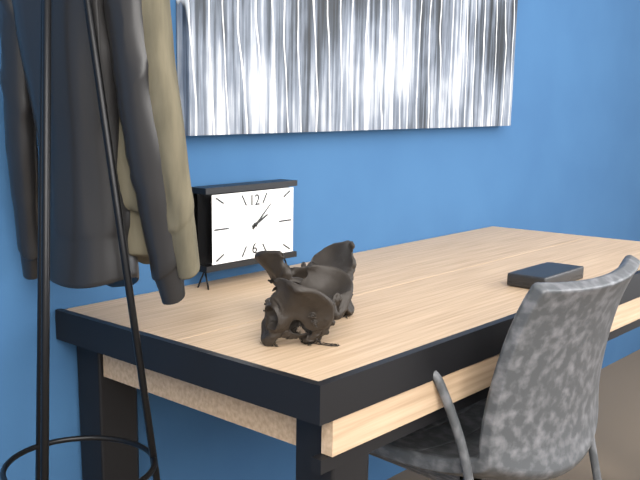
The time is **2:08**
